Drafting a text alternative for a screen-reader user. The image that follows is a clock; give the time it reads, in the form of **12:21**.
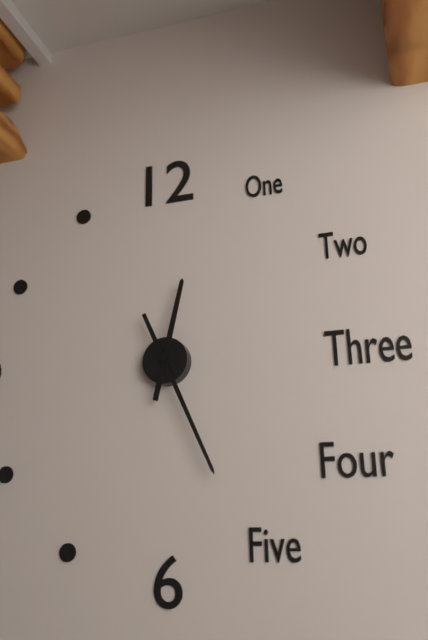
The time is **12:26**
